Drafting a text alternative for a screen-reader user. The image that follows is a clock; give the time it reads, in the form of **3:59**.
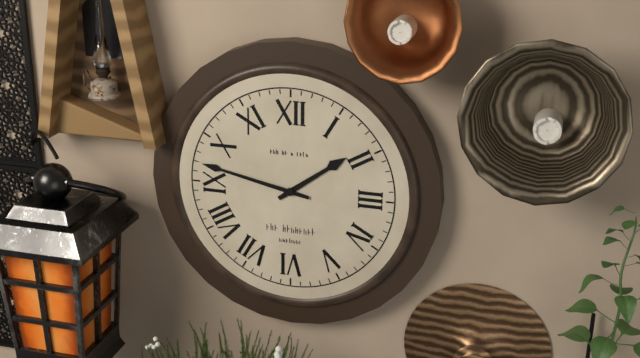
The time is **1:47**
